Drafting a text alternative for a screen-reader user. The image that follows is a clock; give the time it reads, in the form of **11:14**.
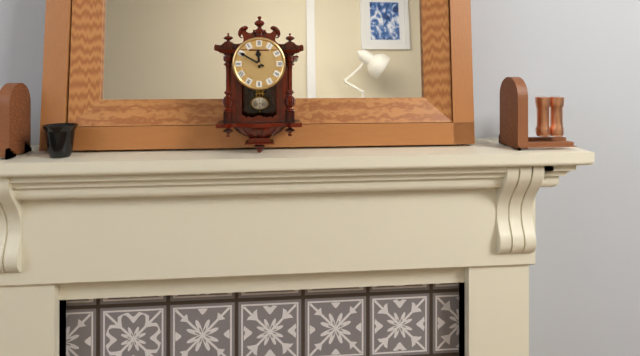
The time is **11:50**
